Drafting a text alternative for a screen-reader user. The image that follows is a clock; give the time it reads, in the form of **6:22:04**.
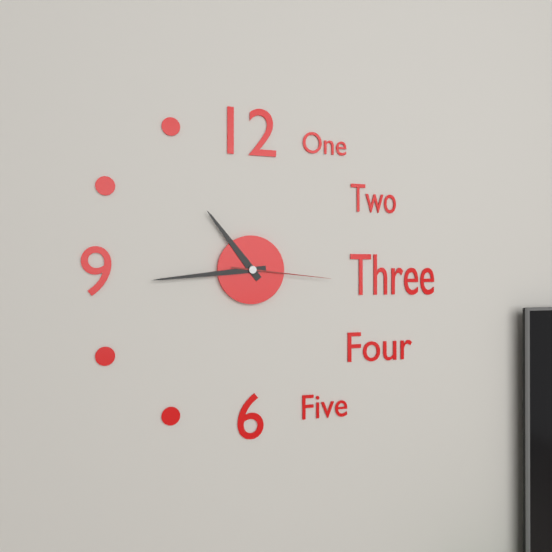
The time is **10:44:16**
